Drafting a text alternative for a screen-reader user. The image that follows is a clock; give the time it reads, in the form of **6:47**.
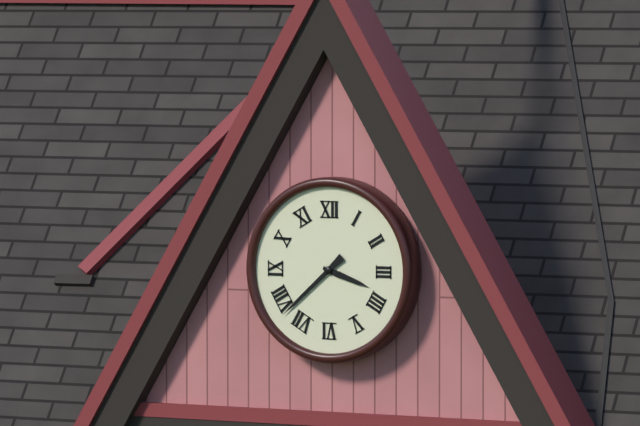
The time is **3:38**
